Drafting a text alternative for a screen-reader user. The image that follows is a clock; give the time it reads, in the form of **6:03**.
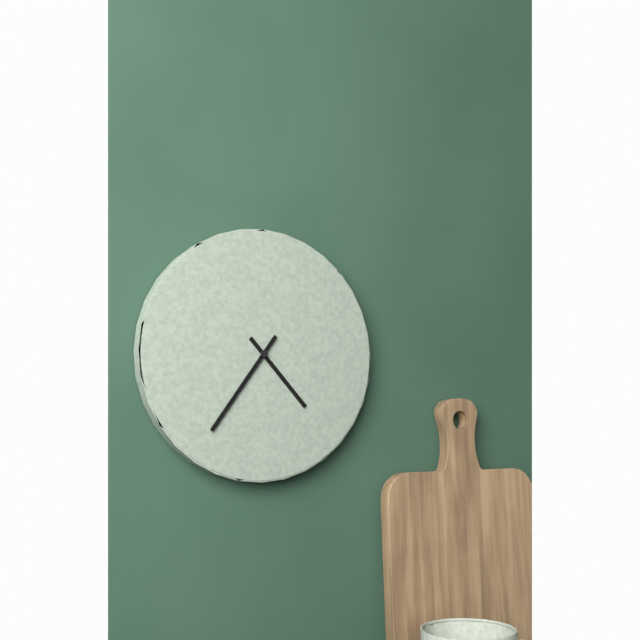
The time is **4:36**
